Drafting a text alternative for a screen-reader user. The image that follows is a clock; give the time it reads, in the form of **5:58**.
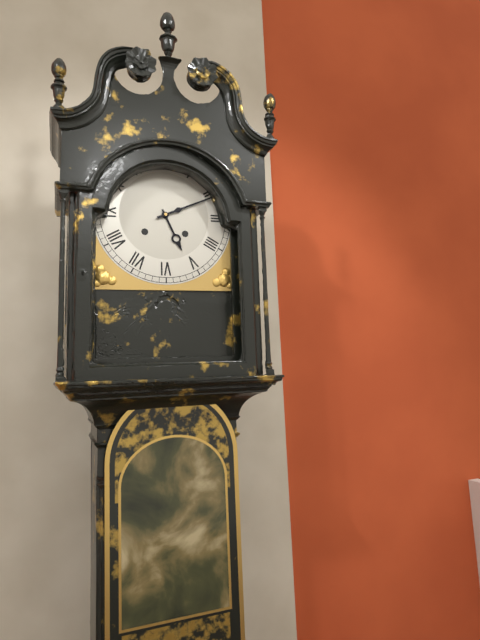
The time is **5:11**
